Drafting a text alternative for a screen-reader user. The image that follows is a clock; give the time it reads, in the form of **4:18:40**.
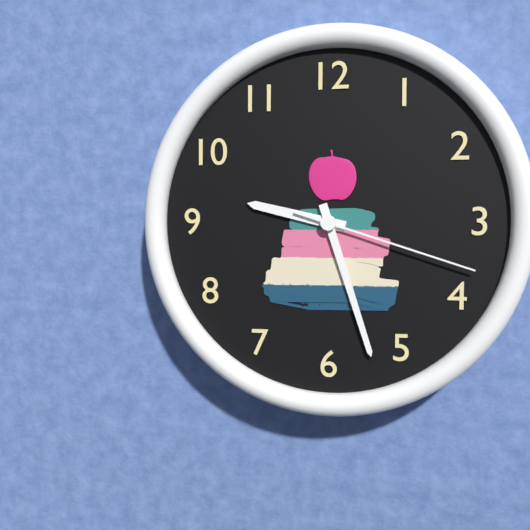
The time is **9:27:18**
